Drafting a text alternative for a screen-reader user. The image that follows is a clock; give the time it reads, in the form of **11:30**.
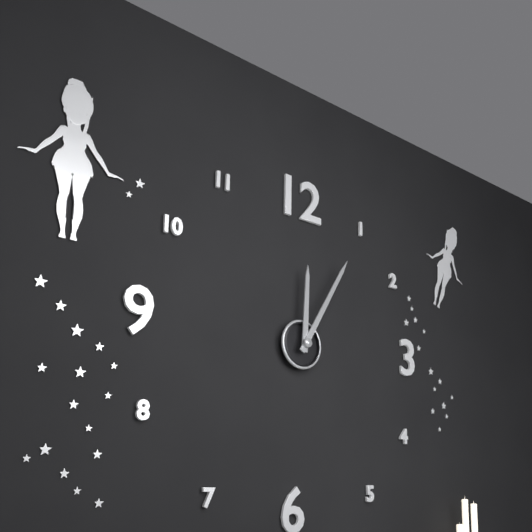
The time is **12:05**
